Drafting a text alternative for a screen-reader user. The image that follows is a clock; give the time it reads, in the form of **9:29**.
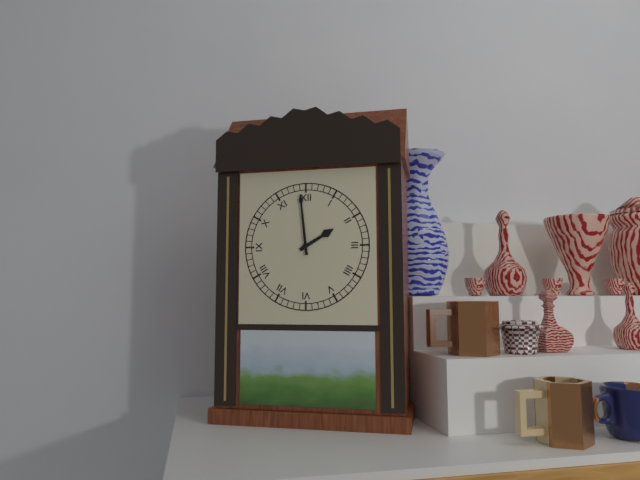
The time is **1:59**
